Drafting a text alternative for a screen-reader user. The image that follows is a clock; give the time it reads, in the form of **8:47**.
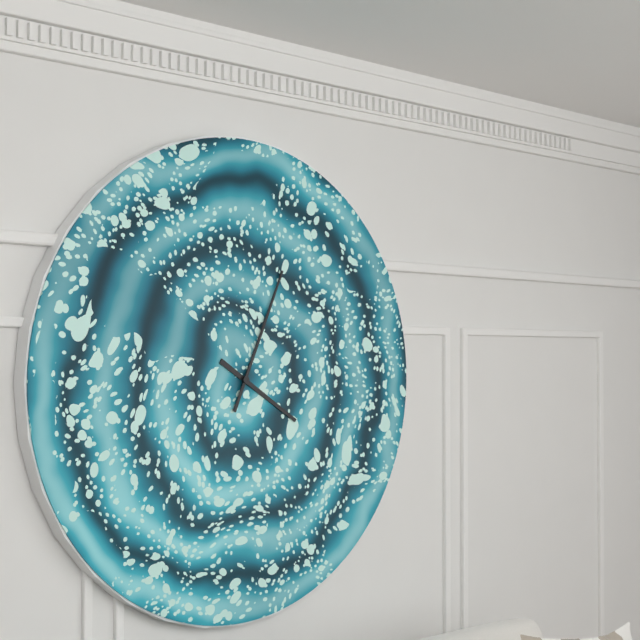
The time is **4:04**
